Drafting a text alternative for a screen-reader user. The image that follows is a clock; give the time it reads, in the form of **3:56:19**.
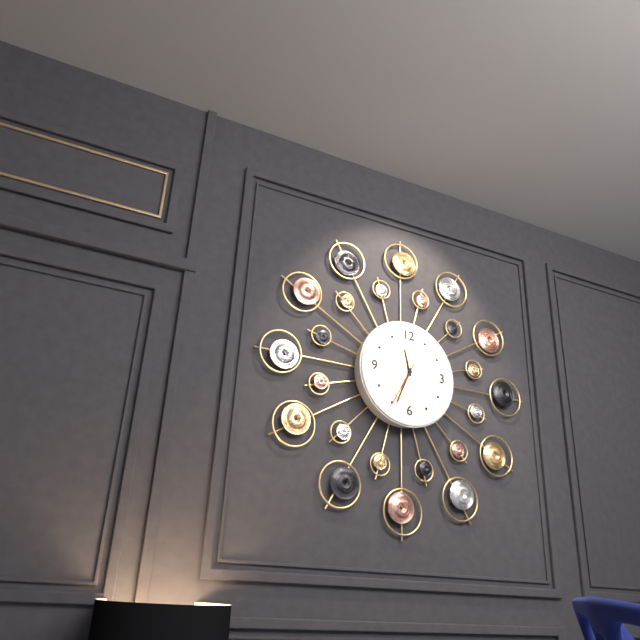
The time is **11:34:35**
